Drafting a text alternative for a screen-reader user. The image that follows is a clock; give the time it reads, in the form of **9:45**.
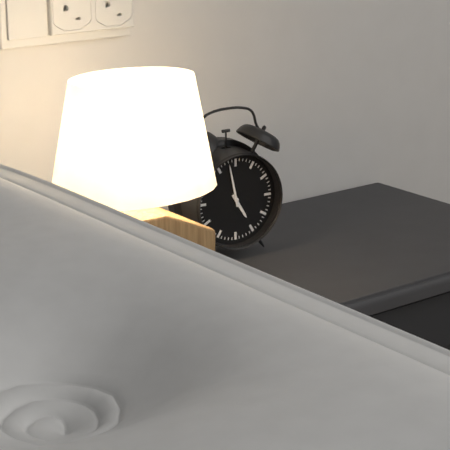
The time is **4:58**
